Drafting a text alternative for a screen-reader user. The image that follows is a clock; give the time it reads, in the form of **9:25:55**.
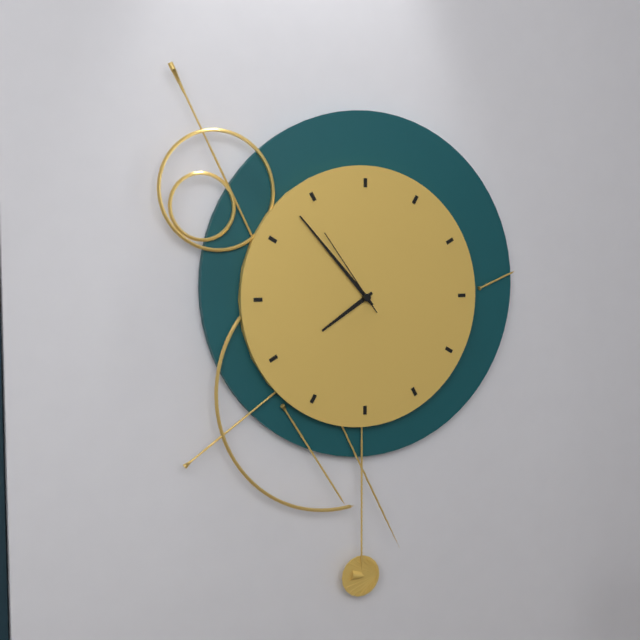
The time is **7:53:54**
